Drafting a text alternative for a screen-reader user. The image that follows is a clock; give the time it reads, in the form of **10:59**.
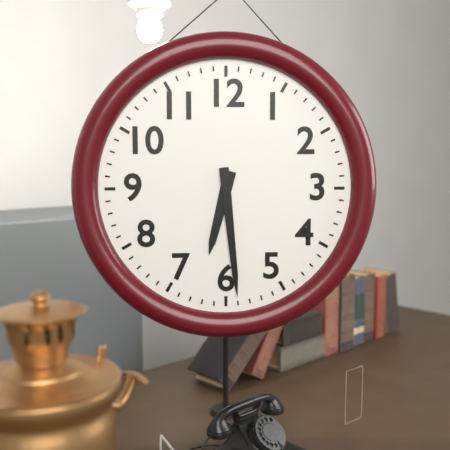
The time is **6:29**
